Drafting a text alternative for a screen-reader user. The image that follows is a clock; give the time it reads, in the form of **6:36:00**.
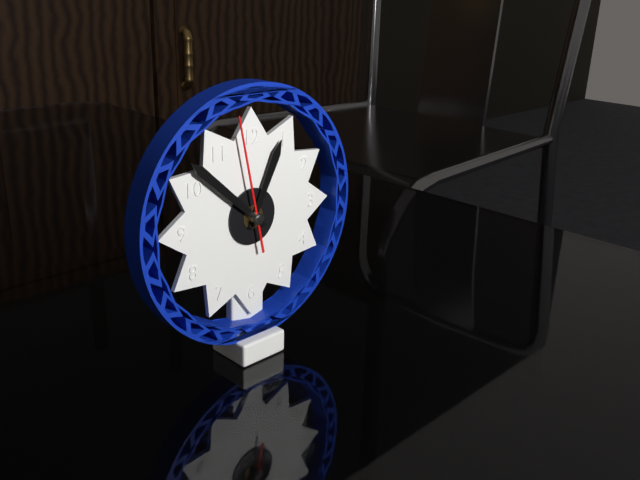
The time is **12:52:58**
